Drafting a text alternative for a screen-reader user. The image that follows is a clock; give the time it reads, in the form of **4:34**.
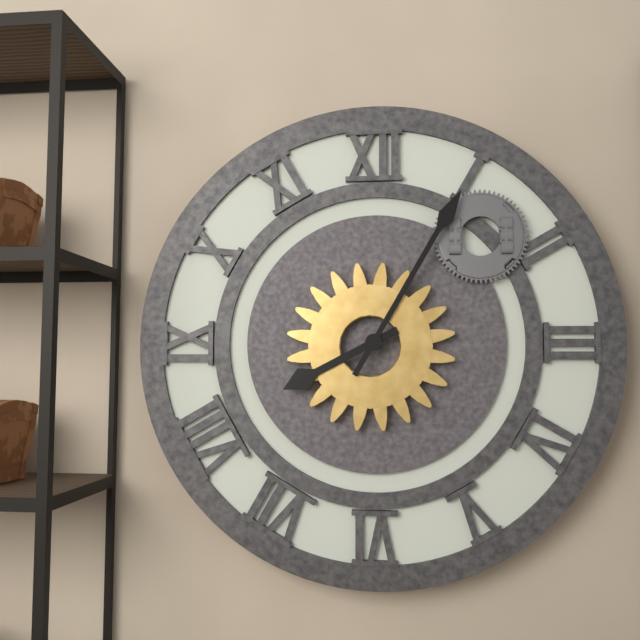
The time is **8:05**
